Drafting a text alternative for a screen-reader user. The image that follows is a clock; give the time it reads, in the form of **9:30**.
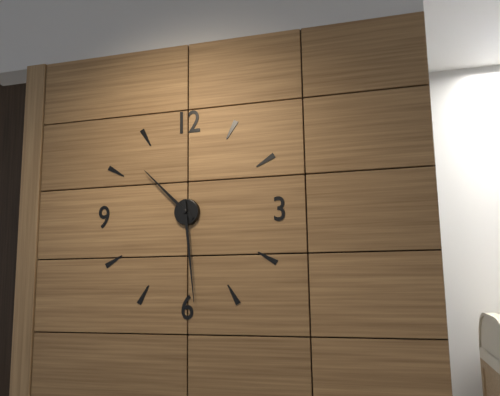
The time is **10:29**
